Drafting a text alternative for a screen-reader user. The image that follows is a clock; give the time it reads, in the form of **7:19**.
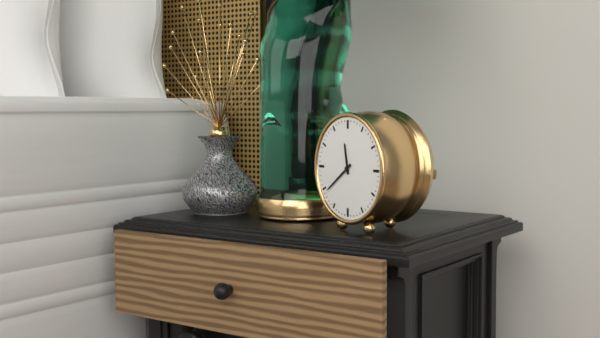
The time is **11:39**
